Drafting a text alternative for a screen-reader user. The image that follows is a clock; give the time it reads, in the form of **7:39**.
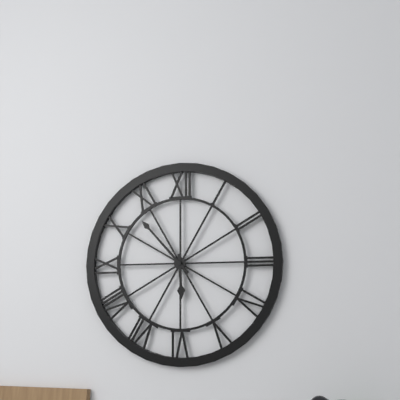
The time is **5:53**
